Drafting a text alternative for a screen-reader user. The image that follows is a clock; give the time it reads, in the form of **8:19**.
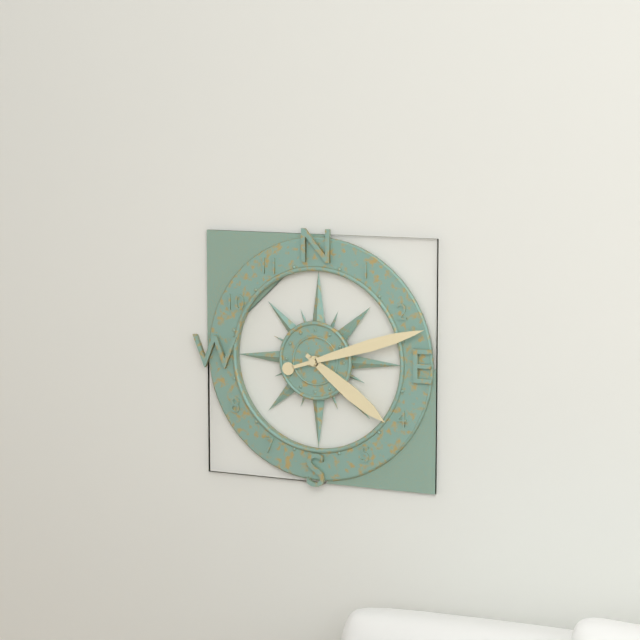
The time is **4:12**
